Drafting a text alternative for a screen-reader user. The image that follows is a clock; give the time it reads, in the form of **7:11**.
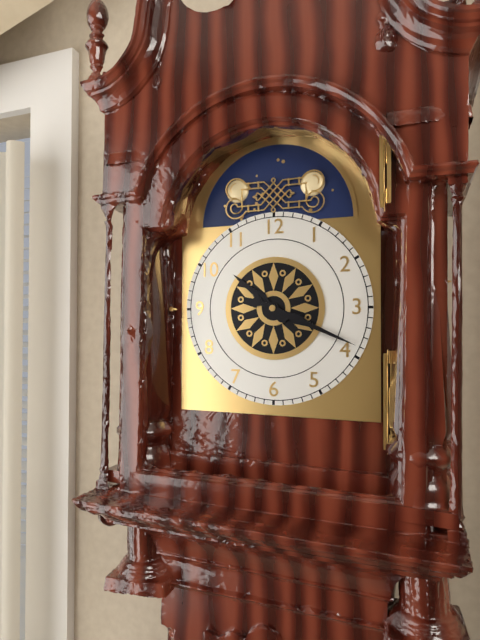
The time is **10:19**
